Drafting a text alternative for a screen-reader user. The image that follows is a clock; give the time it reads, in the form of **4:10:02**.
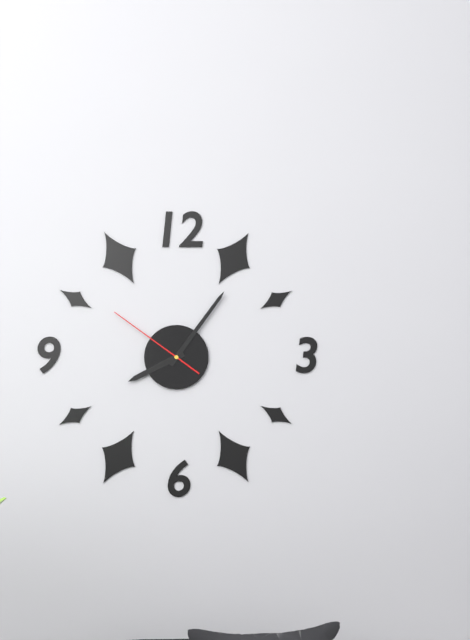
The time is **8:06:51**
